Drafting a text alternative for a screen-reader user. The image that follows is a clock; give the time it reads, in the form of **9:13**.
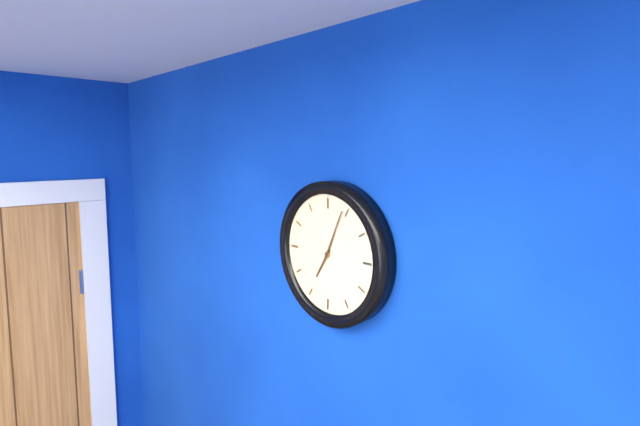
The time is **7:04**
